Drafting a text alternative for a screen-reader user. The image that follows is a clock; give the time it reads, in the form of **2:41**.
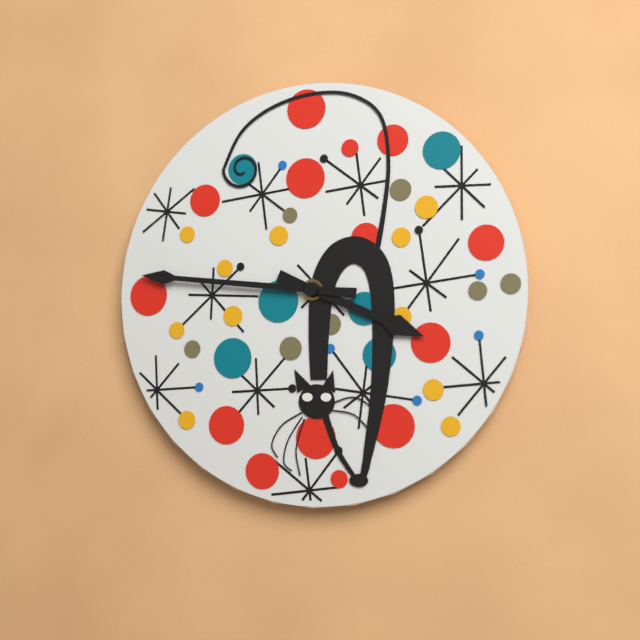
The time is **3:46**
